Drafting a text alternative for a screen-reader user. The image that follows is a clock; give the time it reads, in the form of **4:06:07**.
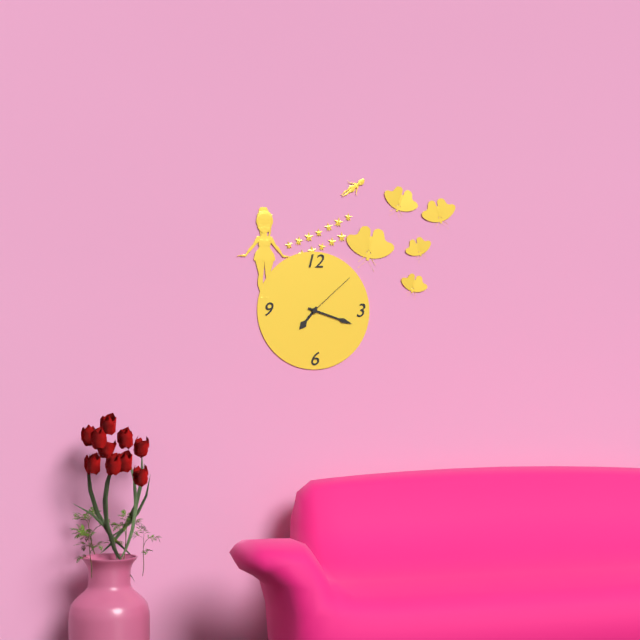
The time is **7:18:08**
